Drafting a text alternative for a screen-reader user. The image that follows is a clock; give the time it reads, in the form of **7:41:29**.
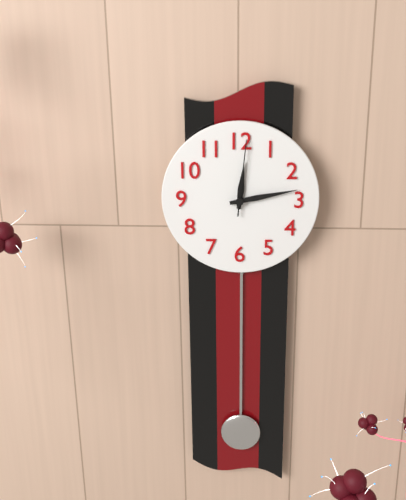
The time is **12:13:01**
